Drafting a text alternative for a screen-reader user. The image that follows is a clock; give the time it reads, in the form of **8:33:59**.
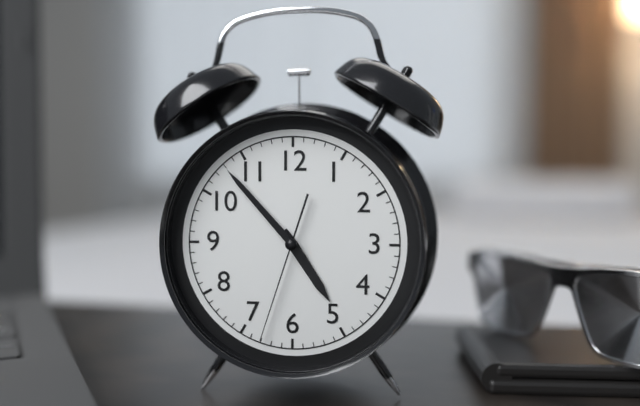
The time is **4:53:33**
